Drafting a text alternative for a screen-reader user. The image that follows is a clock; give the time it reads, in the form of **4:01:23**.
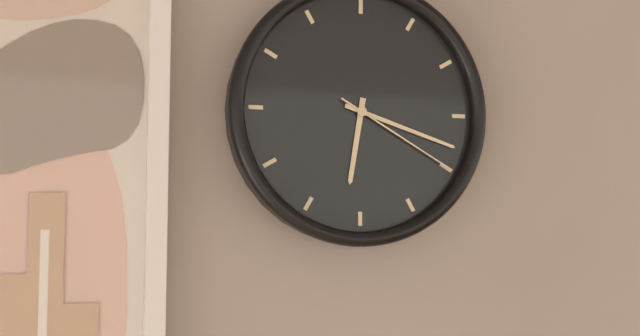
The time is **6:18:20**
